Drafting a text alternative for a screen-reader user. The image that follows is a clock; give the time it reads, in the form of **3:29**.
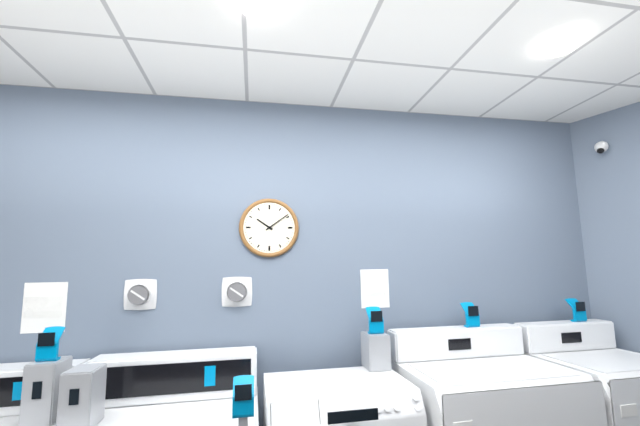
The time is **10:09**
